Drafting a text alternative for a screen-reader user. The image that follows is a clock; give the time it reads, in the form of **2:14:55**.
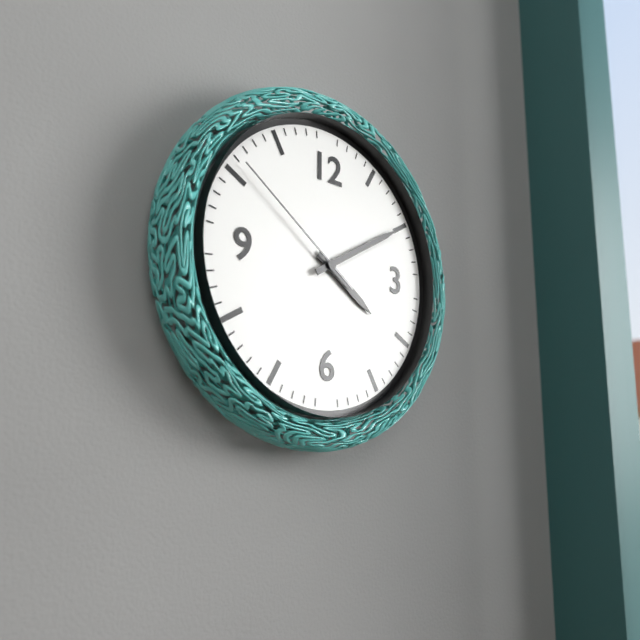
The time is **4:10:51**
